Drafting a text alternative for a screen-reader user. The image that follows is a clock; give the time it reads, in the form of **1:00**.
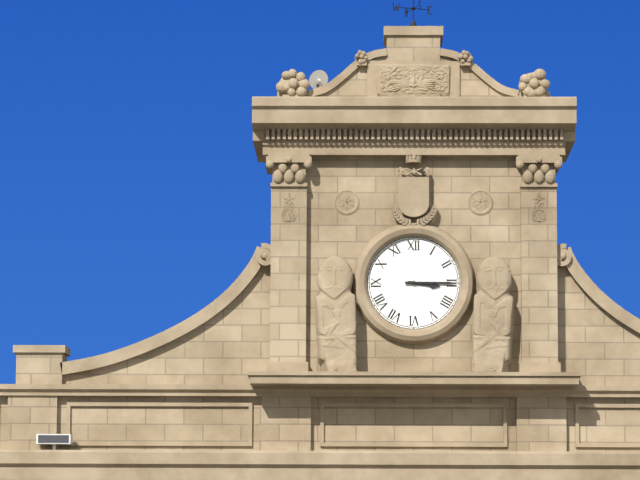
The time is **3:15**
